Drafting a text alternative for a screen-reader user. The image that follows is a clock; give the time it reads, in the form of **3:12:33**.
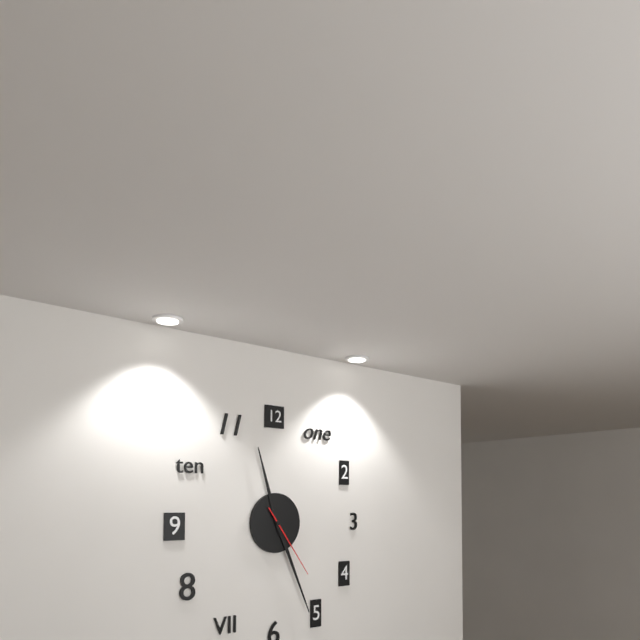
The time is **11:26:24**
